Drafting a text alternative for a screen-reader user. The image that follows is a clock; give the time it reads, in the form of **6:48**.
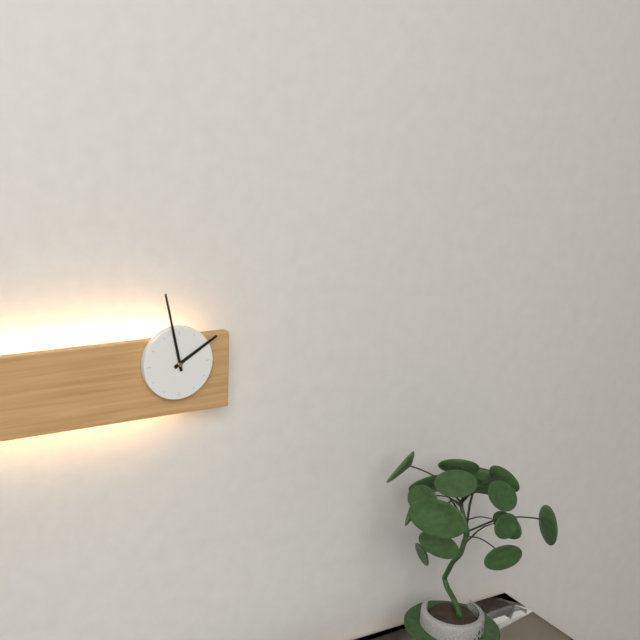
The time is **1:58**
